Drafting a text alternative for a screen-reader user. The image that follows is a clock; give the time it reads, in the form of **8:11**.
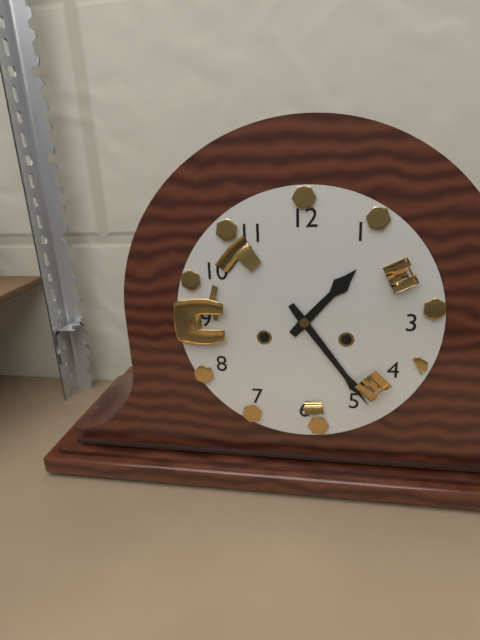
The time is **1:24**
